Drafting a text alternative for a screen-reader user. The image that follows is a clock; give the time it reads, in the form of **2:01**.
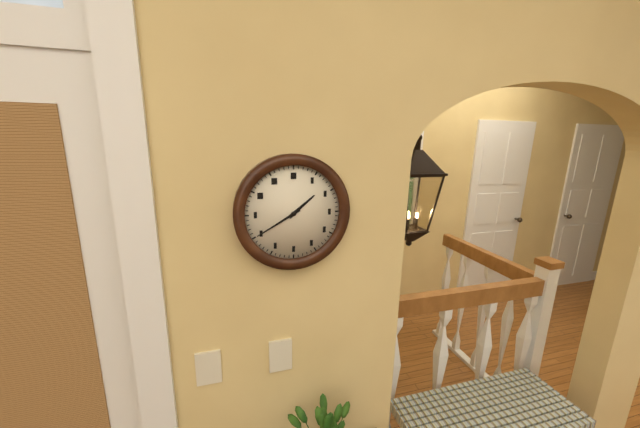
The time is **1:40**
